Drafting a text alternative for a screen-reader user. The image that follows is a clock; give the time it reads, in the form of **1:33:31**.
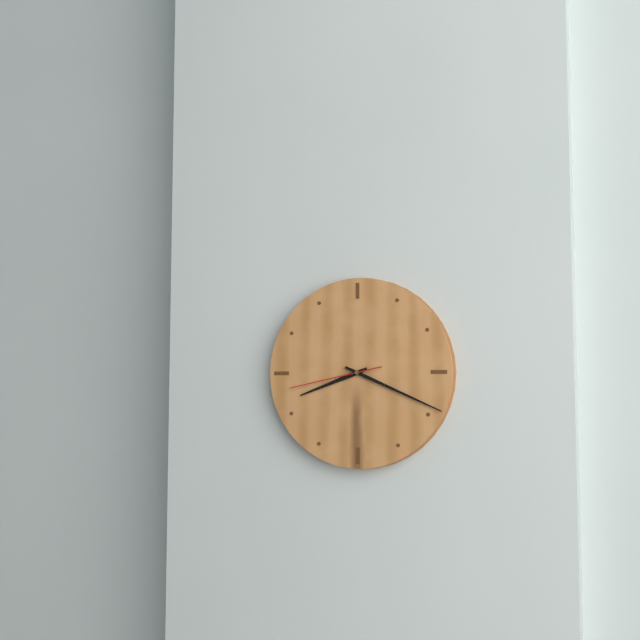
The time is **8:19:43**
